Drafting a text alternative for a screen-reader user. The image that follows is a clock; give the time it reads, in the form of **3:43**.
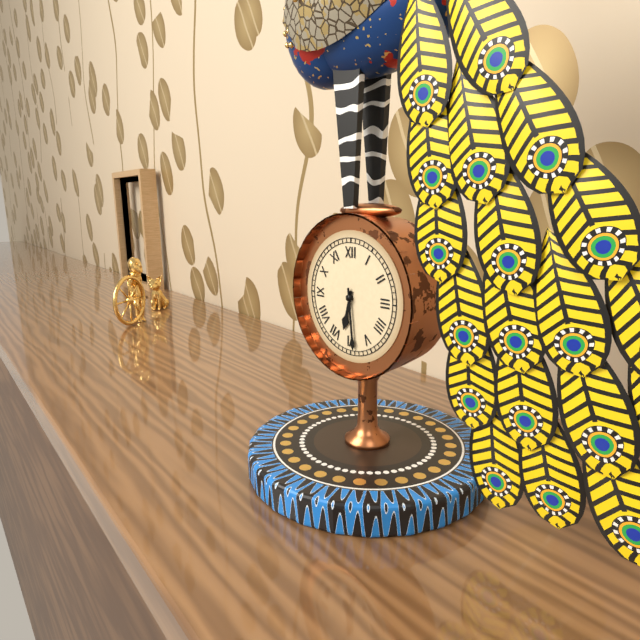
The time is **6:29**
